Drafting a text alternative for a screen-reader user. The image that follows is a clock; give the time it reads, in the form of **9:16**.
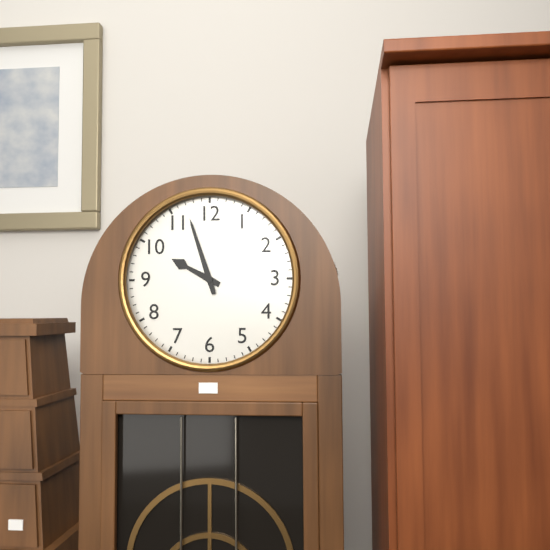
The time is **9:57**
